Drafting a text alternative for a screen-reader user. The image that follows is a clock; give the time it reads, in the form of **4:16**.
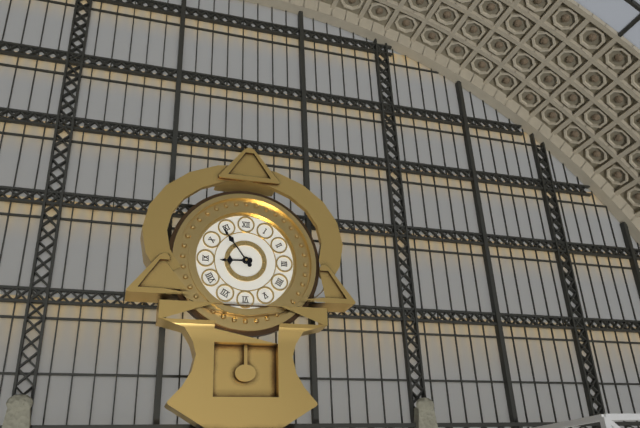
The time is **8:54**
